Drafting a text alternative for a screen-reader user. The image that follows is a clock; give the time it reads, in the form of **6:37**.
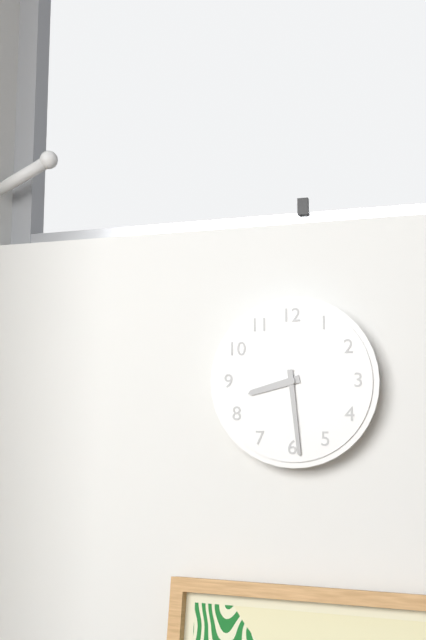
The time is **8:29**
